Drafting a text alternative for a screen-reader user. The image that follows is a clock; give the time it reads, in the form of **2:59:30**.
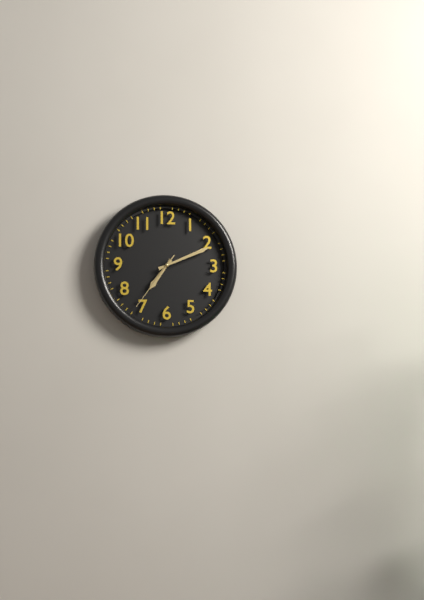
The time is **7:11:36**
